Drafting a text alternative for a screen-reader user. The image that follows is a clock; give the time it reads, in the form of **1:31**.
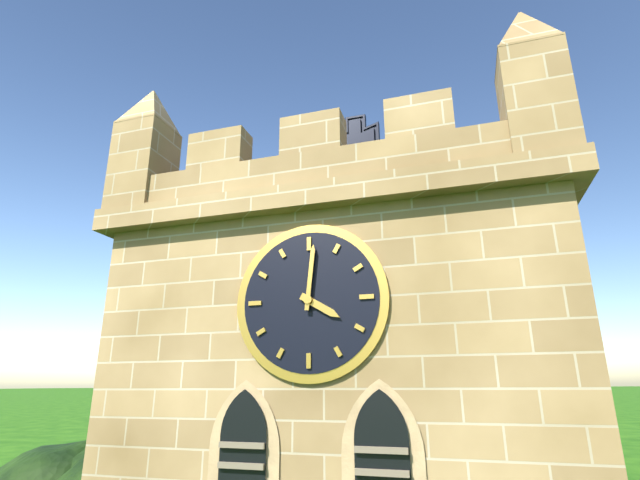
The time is **4:01**
